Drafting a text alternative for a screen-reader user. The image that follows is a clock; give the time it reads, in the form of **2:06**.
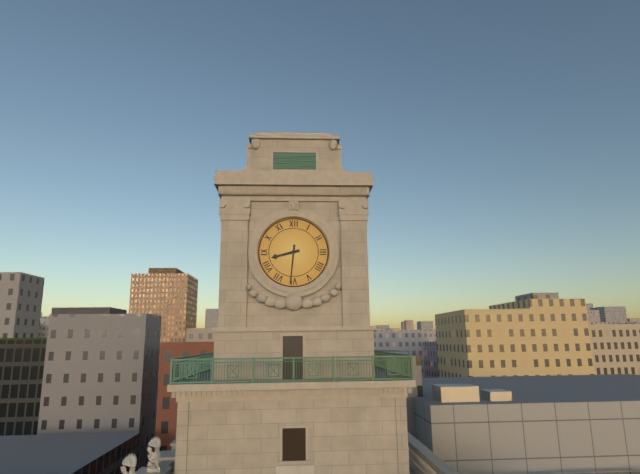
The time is **8:31**
